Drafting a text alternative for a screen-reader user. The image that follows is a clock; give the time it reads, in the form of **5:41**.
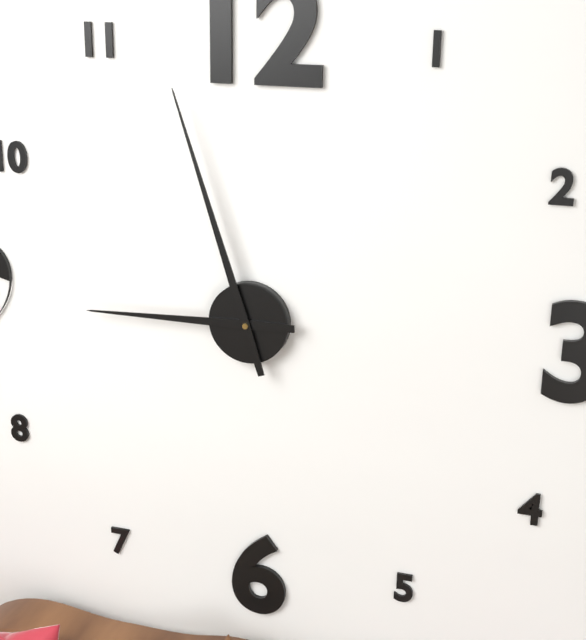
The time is **8:57**
